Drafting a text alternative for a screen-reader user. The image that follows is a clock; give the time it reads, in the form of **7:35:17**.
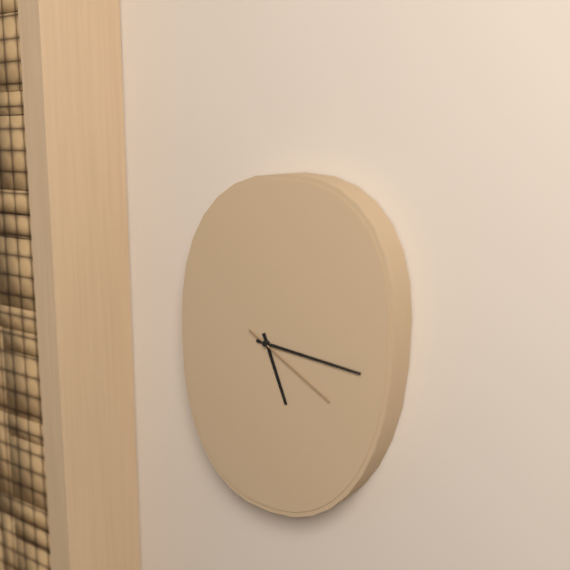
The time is **5:16:20**
